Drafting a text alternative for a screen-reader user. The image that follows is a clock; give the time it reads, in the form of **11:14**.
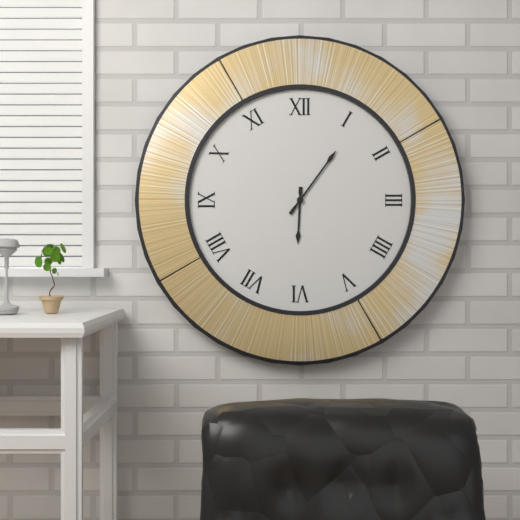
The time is **6:06**
